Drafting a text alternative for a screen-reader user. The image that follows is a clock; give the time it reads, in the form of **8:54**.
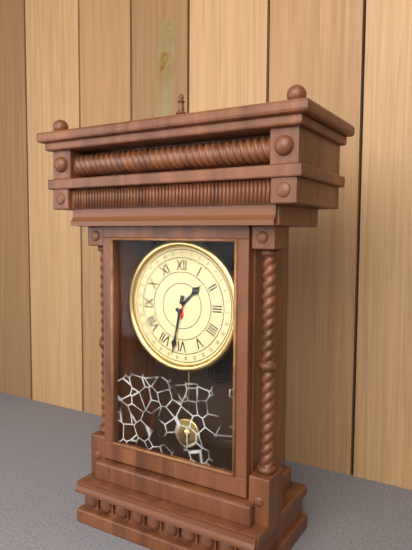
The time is **1:32**
